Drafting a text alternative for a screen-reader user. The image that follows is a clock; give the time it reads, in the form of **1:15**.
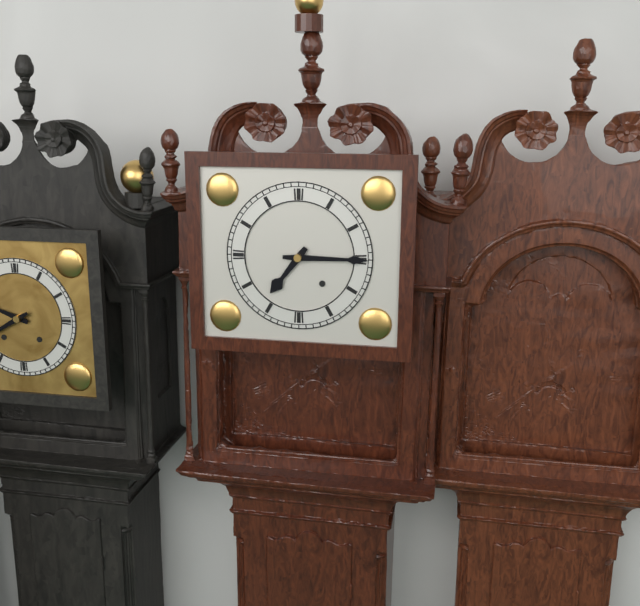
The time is **7:15**
